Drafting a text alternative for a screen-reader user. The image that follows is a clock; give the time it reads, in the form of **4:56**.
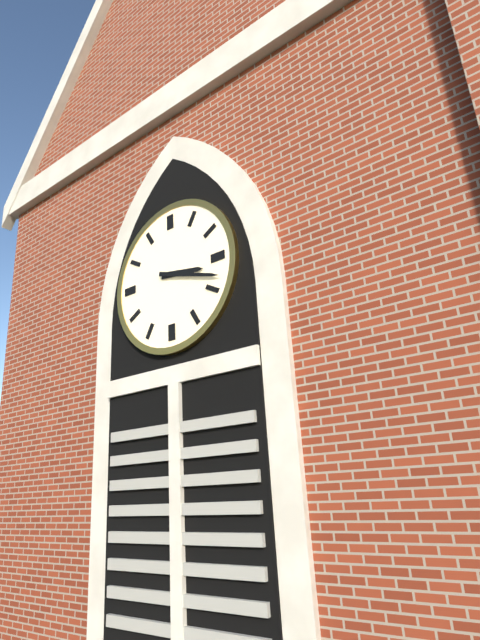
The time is **3:18**
